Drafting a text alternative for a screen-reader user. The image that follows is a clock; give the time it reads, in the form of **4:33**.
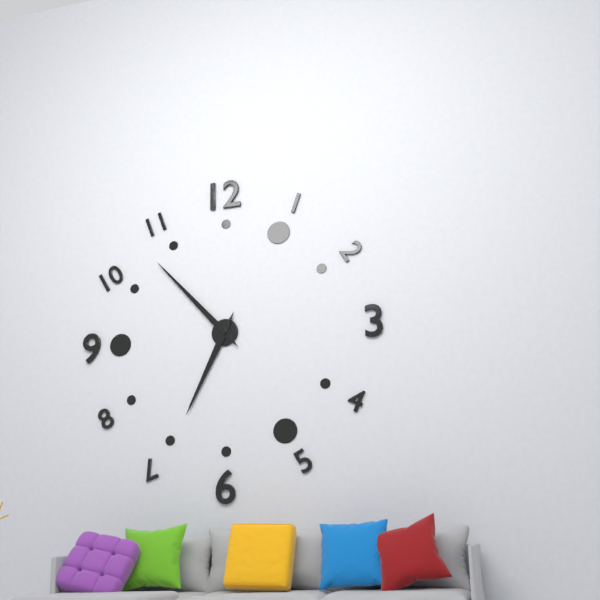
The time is **6:53**
